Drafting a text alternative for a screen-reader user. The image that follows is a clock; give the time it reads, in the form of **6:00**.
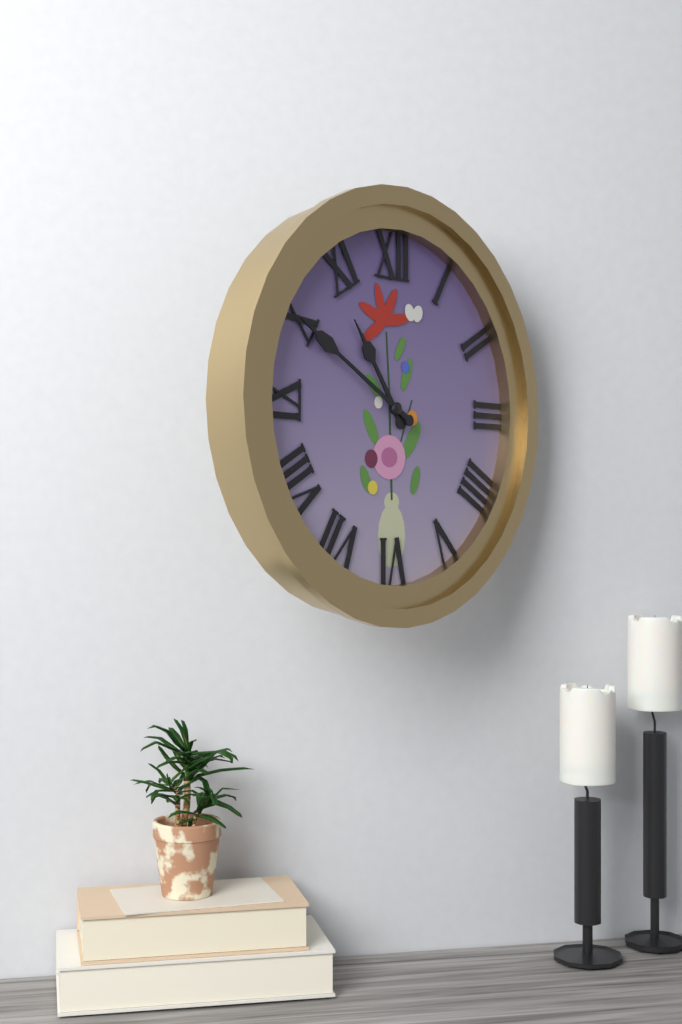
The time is **10:50**
